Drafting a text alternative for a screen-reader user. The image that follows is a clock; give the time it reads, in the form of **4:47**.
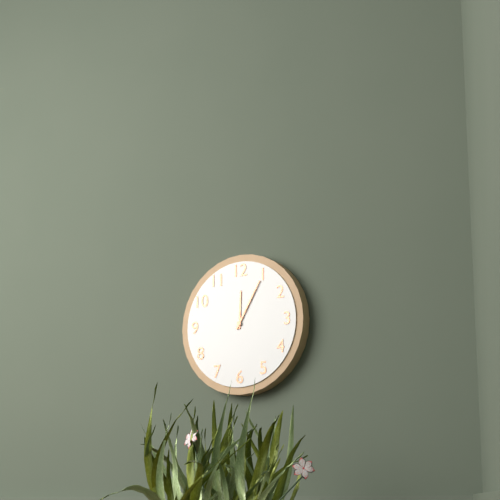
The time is **12:05**
